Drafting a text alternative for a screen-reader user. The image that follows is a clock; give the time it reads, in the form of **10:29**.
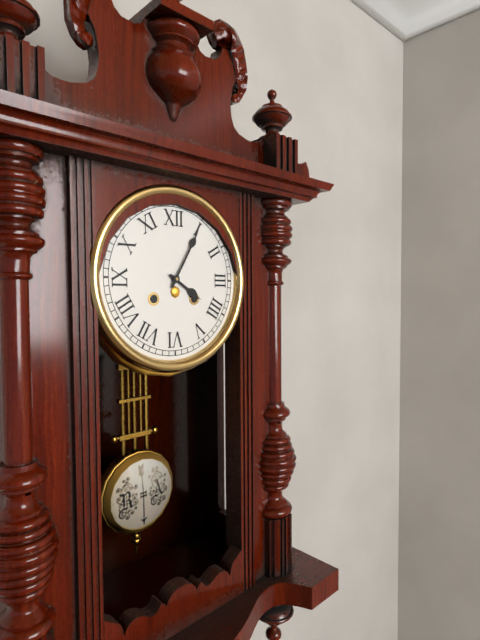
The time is **4:05**
